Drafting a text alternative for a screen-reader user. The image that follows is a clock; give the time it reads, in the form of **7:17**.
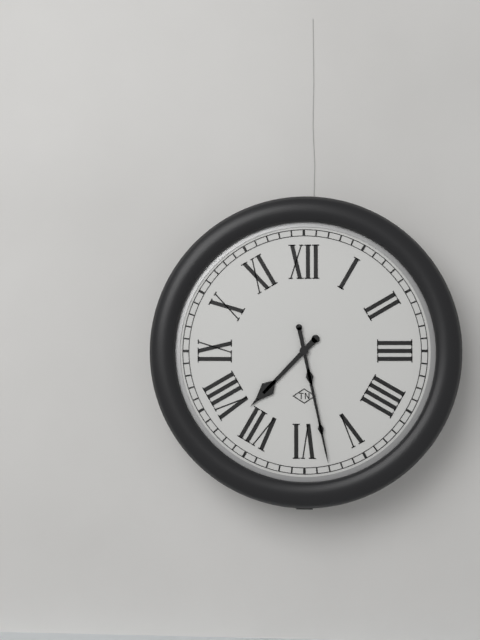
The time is **7:28**
